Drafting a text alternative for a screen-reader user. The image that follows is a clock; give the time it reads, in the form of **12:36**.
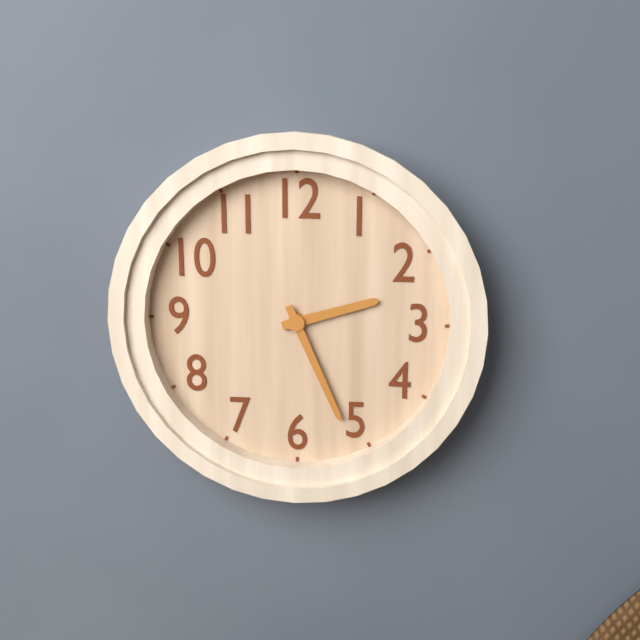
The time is **2:26**
